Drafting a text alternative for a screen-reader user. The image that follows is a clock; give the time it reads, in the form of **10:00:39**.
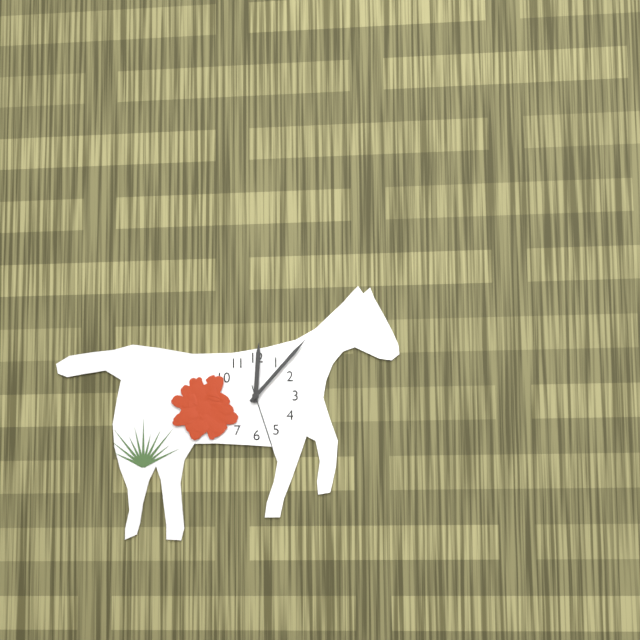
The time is **12:07:27**
